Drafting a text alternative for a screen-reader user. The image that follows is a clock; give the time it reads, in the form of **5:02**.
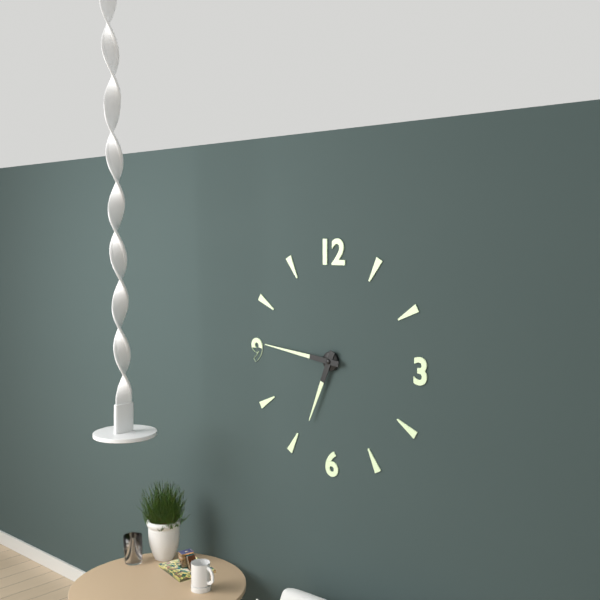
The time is **6:46**
